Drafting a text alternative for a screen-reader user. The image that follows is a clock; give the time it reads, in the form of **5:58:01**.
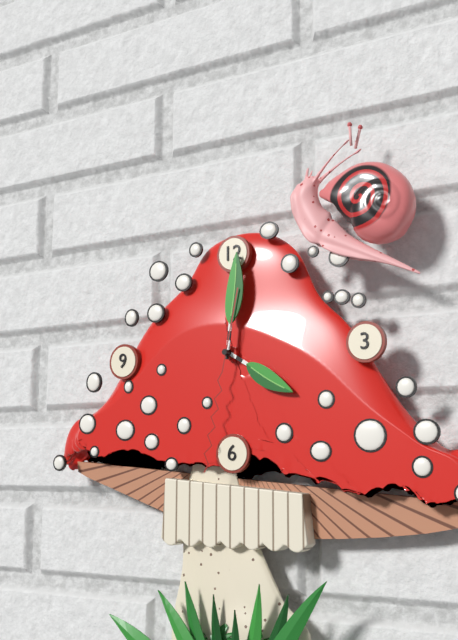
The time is **4:01:32**
